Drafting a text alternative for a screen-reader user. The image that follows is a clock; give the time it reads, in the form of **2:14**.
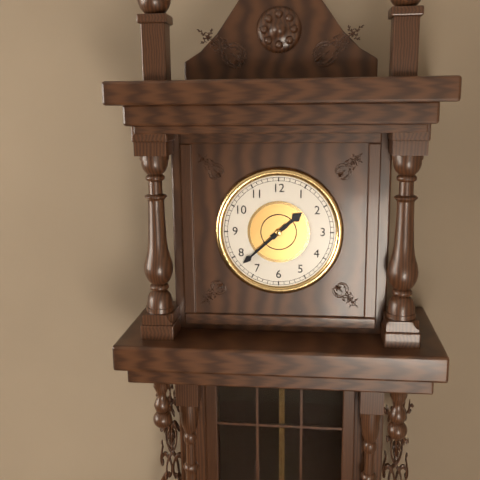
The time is **1:38**
